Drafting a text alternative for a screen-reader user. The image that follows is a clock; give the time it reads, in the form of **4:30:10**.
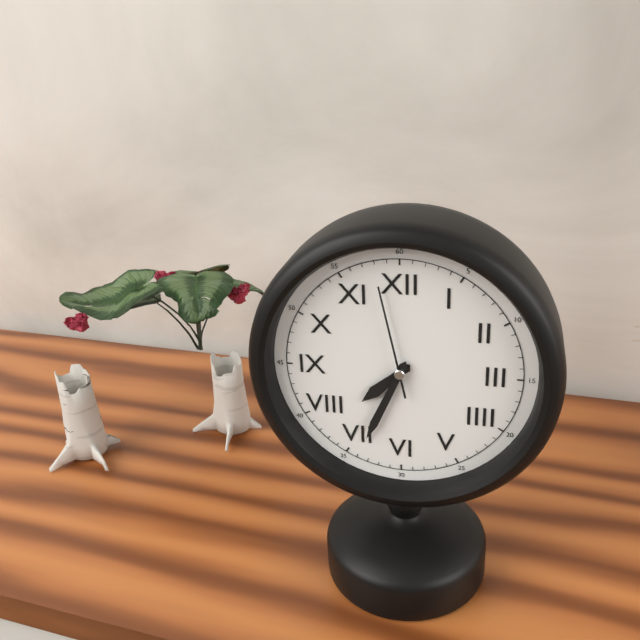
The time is **7:34:58**
